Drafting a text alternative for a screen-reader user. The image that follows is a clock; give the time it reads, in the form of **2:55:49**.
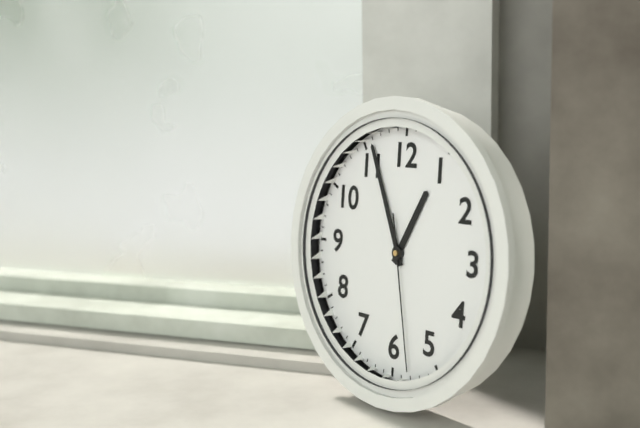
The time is **12:56:28**
